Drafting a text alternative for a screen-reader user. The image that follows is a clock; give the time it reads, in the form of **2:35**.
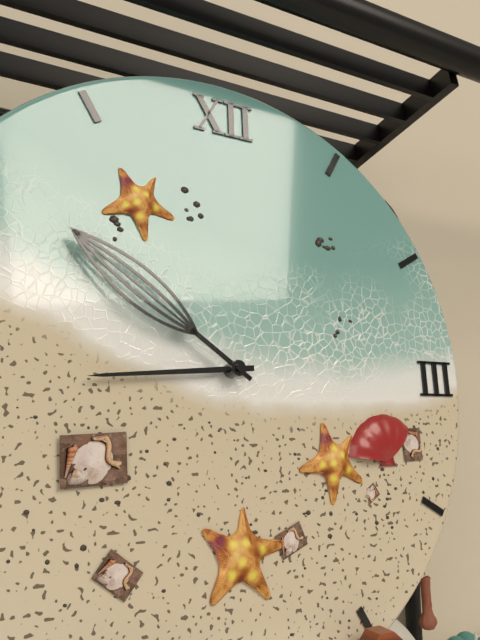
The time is **8:51**
